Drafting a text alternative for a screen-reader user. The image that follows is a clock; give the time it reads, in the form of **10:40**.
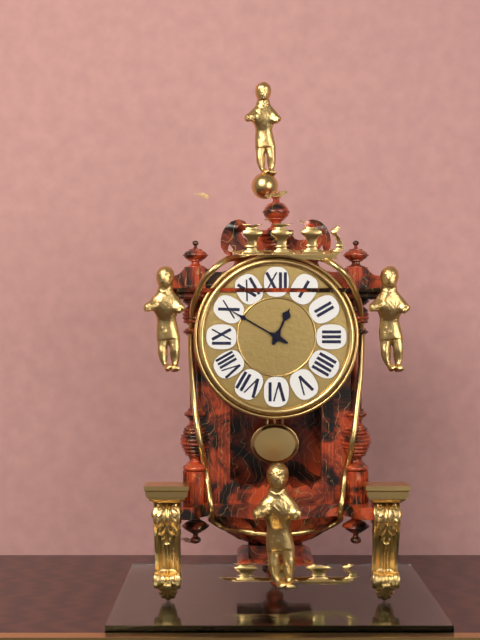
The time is **12:50**
